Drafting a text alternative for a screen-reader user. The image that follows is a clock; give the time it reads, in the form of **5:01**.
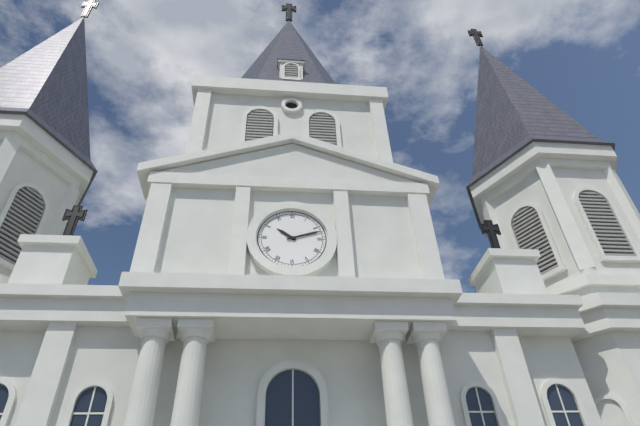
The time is **10:12**
